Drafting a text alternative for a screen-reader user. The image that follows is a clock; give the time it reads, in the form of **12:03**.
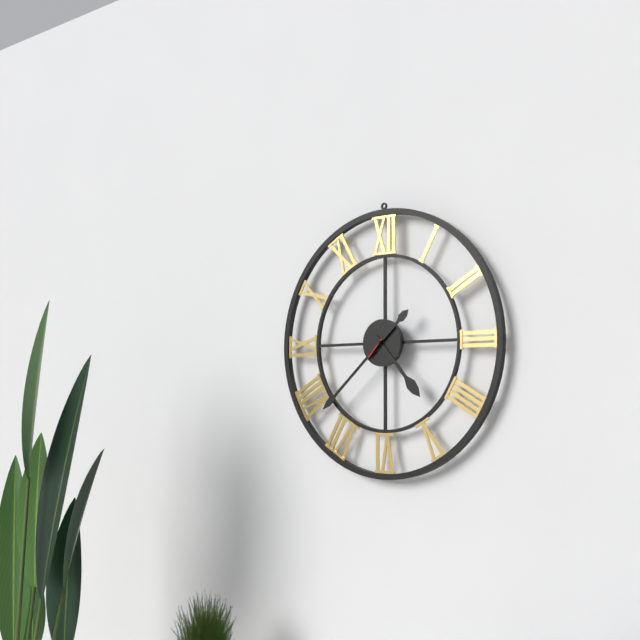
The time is **4:38**
